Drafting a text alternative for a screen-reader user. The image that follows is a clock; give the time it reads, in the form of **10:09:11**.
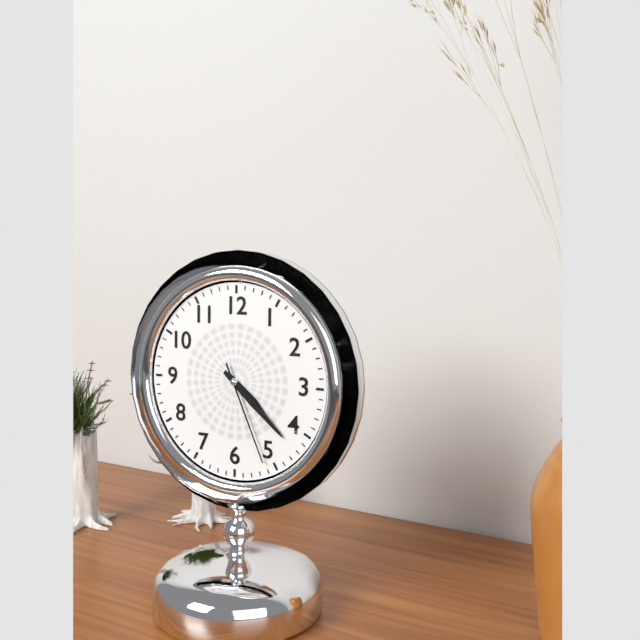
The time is **4:22:26**
